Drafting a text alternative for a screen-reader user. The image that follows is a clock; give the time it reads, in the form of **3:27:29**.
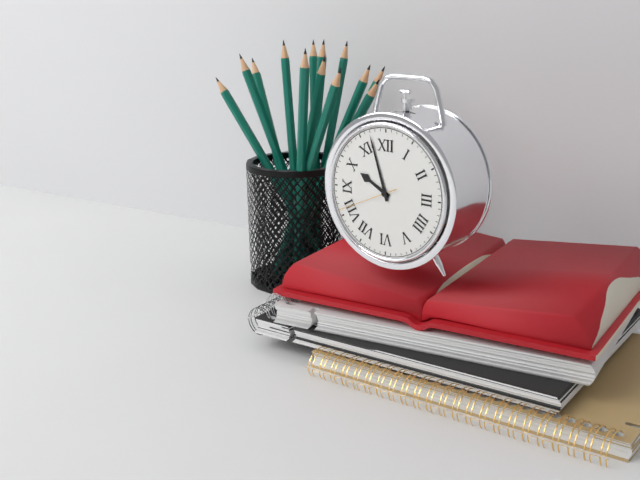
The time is **9:57:41**
